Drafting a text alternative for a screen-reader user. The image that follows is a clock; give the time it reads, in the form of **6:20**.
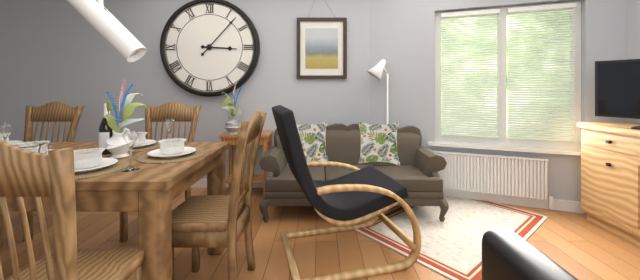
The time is **3:07**
